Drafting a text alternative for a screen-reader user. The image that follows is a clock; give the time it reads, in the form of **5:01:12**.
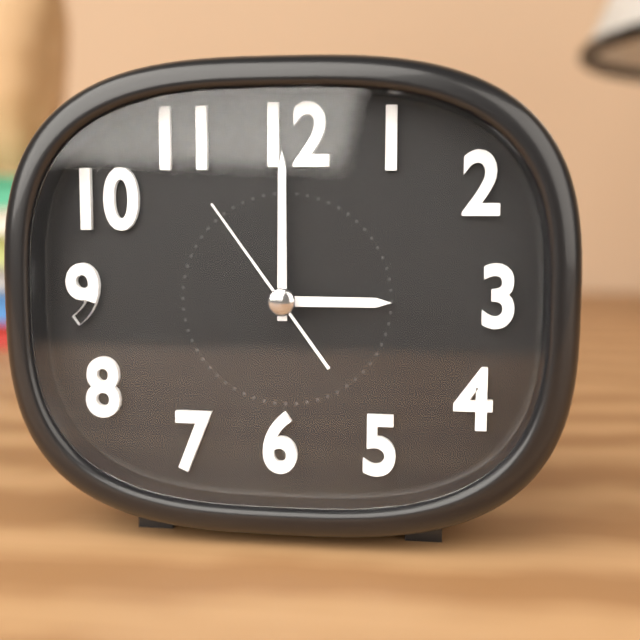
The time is **3:00:54**
